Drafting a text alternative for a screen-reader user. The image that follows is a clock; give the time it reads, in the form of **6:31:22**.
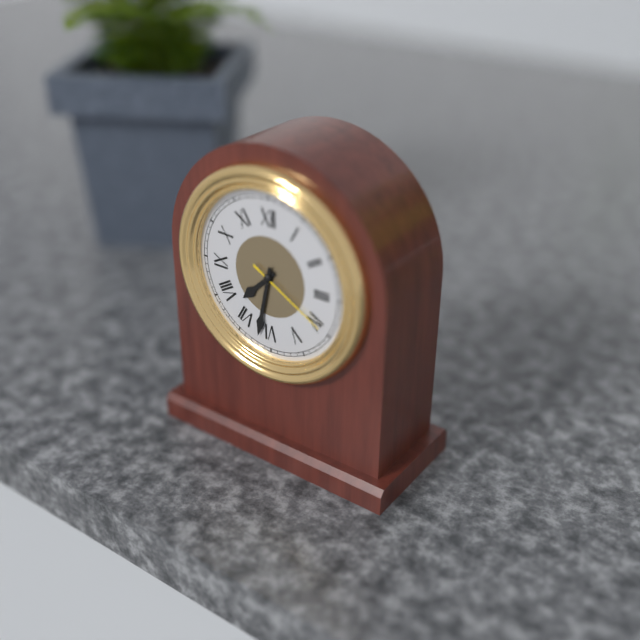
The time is **7:32:20**
